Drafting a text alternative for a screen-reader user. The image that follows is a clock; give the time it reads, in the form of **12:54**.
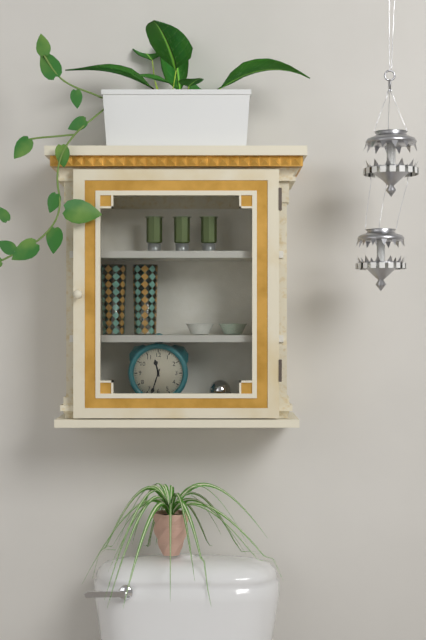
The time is **11:33**
